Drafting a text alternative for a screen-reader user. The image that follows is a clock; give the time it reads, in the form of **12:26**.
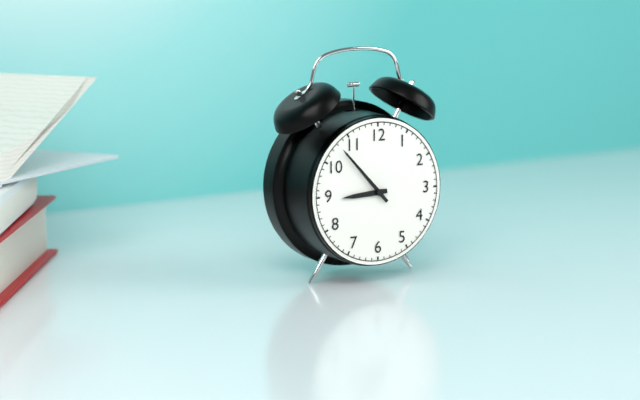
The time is **8:53**
